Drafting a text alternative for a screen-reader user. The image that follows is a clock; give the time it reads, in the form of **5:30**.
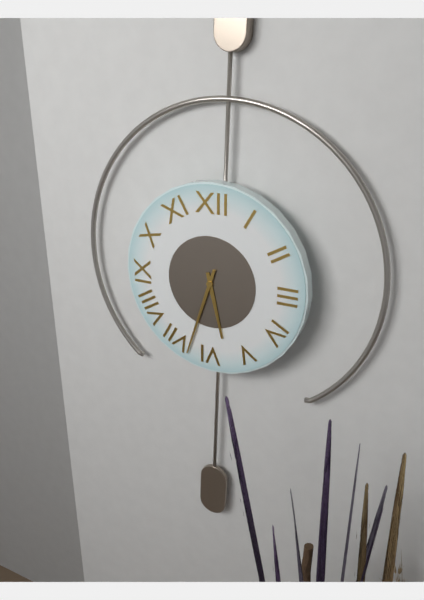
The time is **5:33**
